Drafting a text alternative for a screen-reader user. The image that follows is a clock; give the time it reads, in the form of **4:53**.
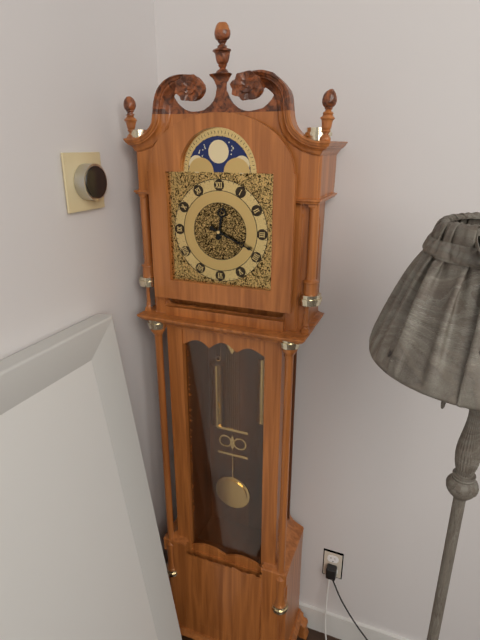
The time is **12:19**
